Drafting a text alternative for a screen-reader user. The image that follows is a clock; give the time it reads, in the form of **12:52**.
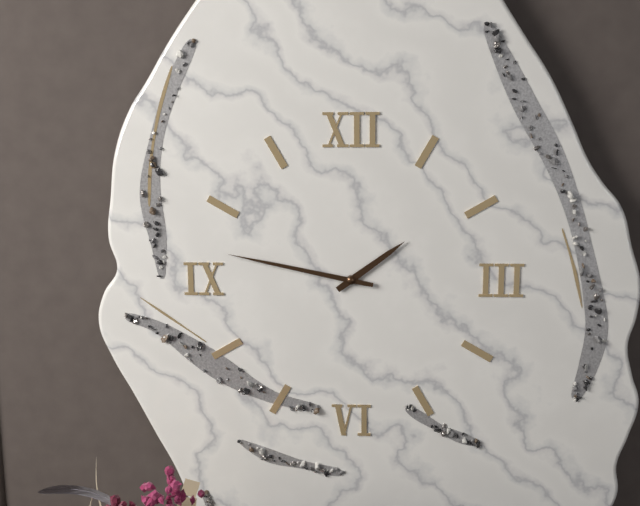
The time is **1:47**
